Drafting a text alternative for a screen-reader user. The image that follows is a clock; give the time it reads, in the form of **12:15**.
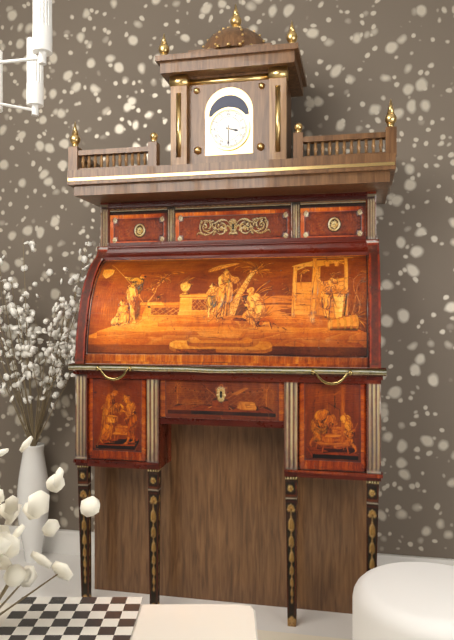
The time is **3:30**
